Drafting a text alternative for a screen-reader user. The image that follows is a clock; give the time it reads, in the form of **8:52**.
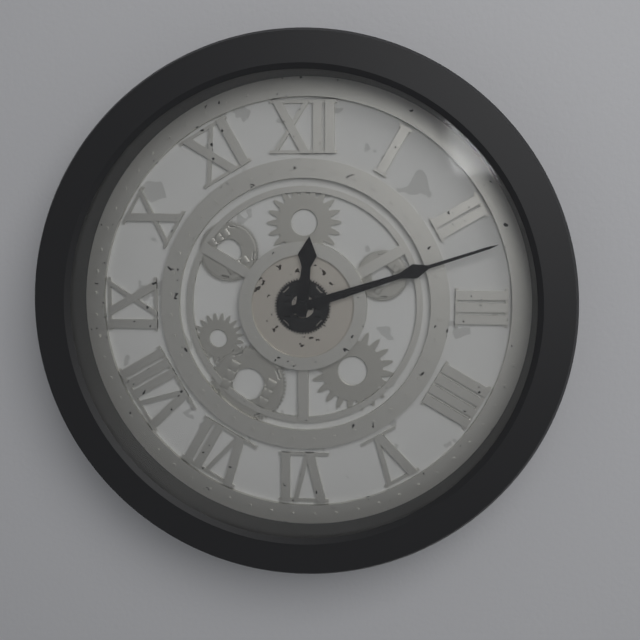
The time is **12:12**
